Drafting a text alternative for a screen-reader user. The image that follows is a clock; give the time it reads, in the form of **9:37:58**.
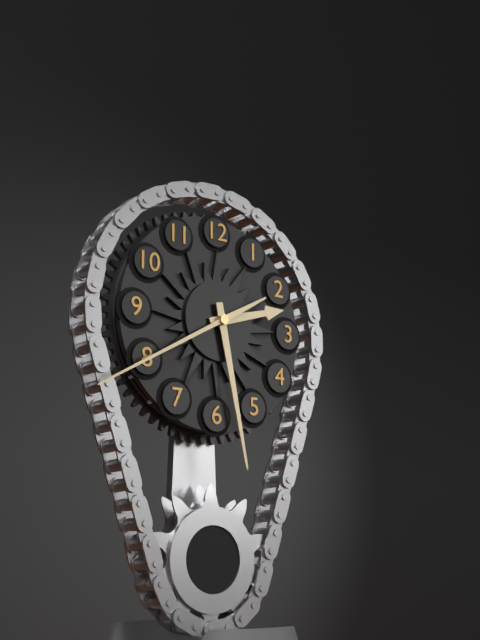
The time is **2:28:40**
